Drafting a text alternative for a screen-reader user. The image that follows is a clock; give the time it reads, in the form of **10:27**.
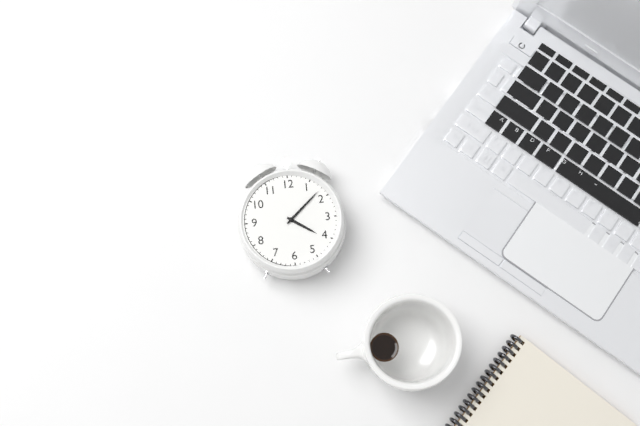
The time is **4:08**
